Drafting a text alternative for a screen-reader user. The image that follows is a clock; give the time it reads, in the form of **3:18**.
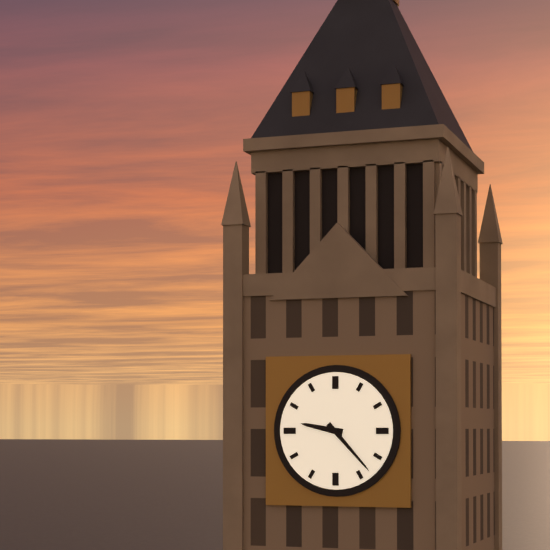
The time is **9:23**
